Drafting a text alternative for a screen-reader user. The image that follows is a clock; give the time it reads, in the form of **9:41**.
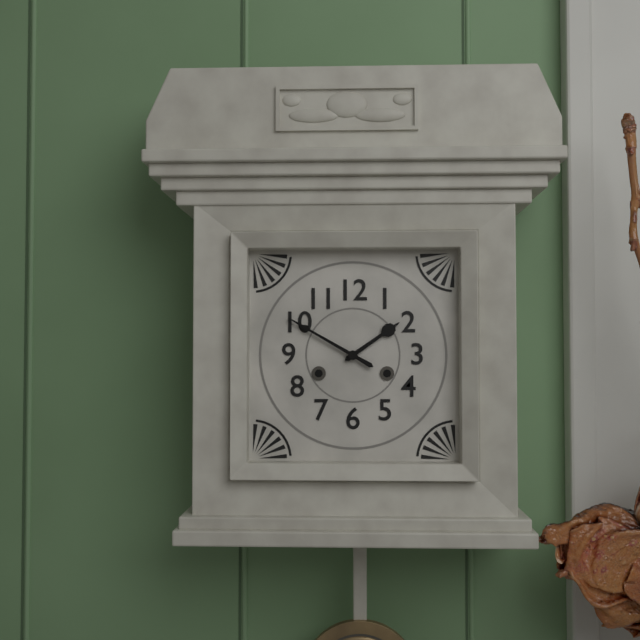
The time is **1:50**
